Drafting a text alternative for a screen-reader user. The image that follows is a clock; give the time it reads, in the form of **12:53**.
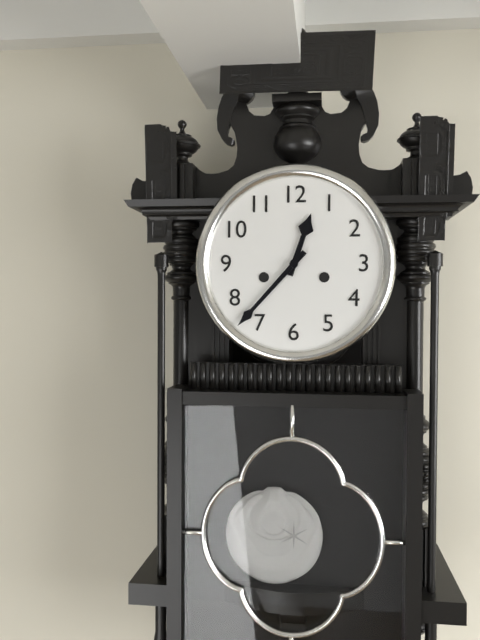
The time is **12:37**
